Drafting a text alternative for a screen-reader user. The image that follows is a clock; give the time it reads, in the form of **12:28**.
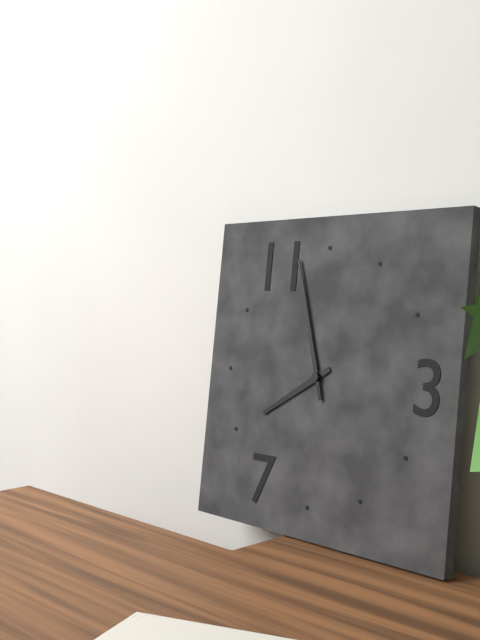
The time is **7:57**
